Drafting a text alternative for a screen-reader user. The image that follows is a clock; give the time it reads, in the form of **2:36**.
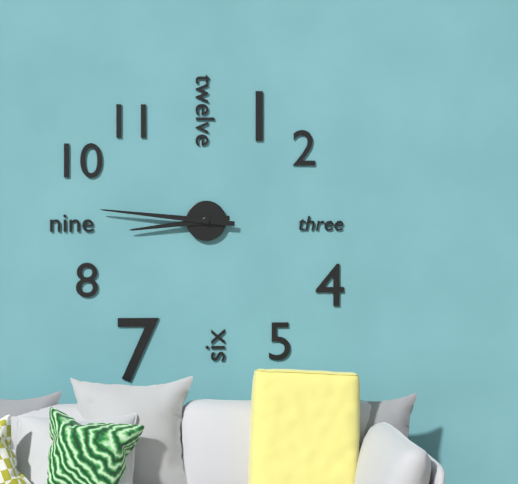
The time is **8:46**
